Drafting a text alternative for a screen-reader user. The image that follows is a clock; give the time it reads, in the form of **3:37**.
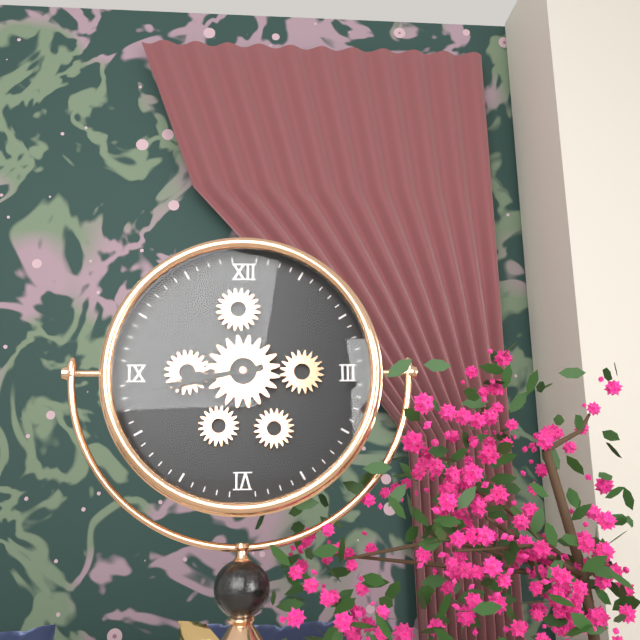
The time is **8:43**
